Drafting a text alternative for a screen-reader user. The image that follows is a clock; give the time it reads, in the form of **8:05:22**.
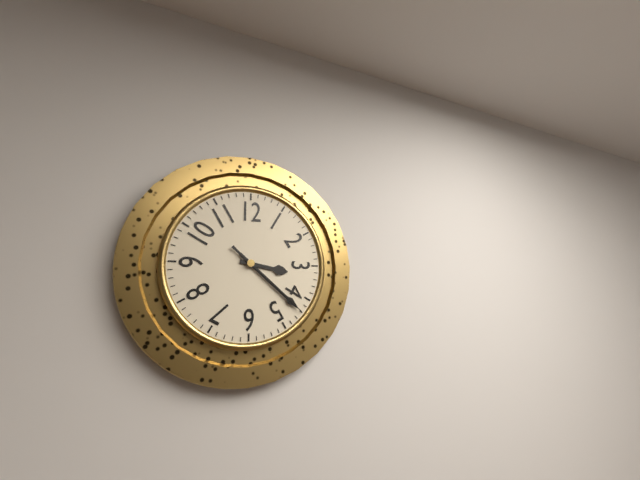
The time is **3:22:22**
